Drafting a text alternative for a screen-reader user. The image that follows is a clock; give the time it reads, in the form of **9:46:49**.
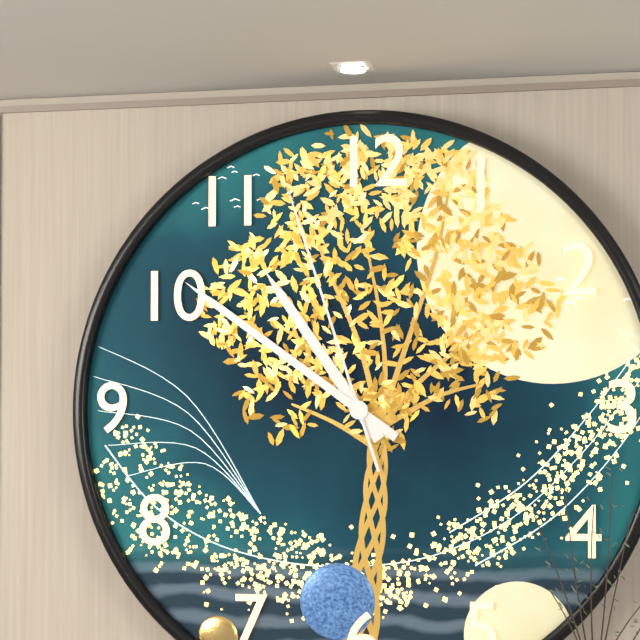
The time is **10:51:57**
